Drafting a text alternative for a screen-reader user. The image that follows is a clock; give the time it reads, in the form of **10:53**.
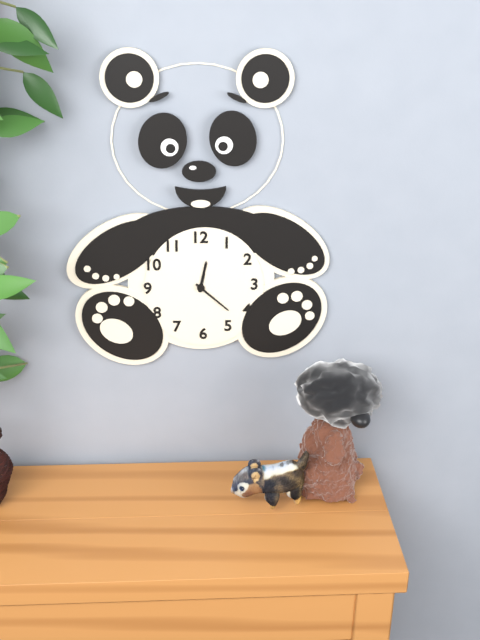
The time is **12:22**
